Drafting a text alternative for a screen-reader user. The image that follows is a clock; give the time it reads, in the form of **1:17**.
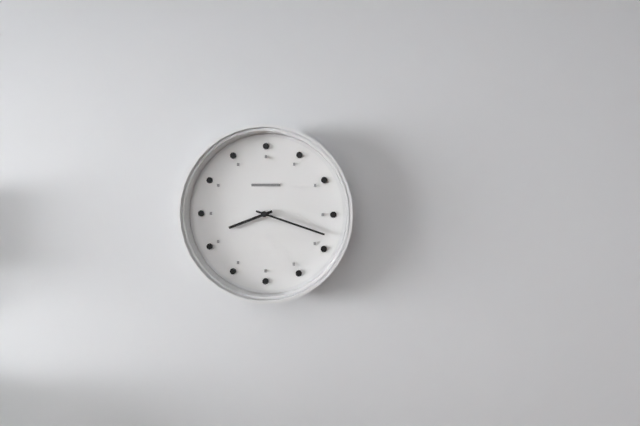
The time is **8:18**
